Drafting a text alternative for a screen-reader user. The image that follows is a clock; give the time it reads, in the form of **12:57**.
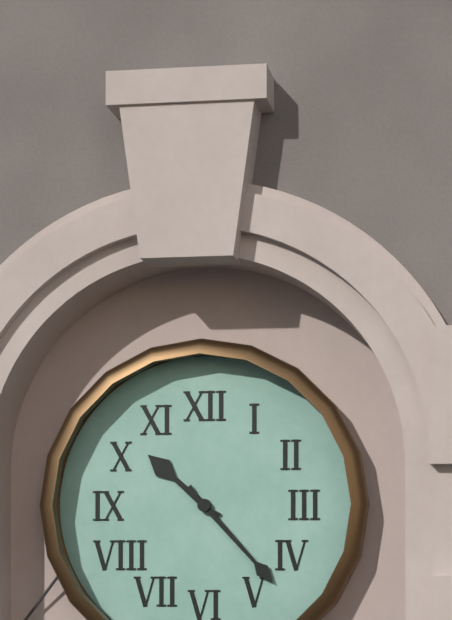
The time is **10:23**
